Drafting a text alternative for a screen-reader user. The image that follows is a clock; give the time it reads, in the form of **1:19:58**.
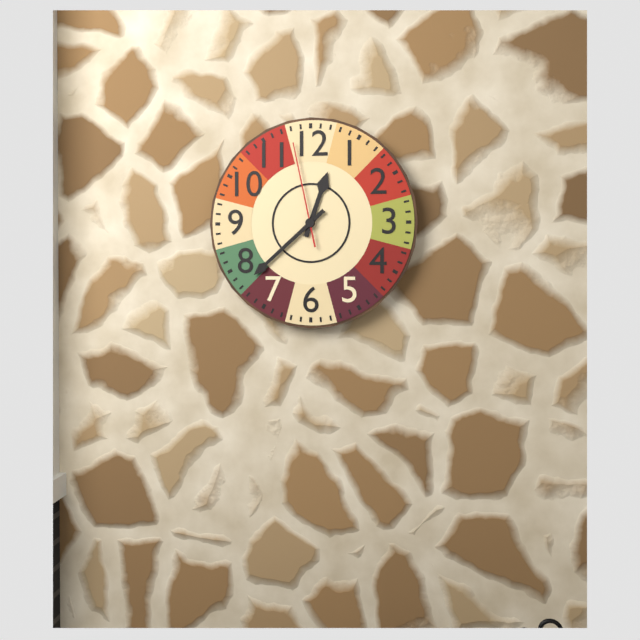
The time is **12:38:58**
